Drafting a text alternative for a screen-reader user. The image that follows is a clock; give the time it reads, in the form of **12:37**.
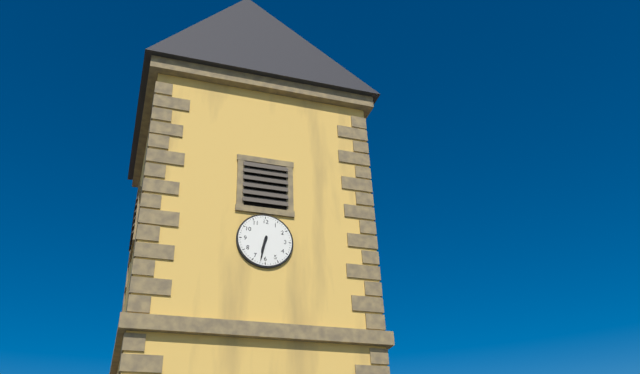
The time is **6:32**
